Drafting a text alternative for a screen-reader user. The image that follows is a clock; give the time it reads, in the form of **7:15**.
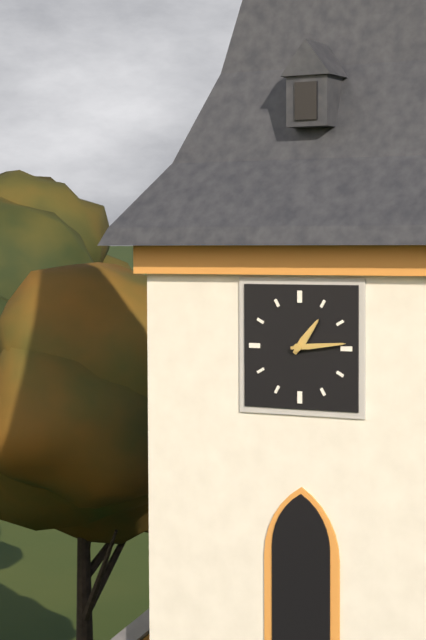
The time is **1:14**
